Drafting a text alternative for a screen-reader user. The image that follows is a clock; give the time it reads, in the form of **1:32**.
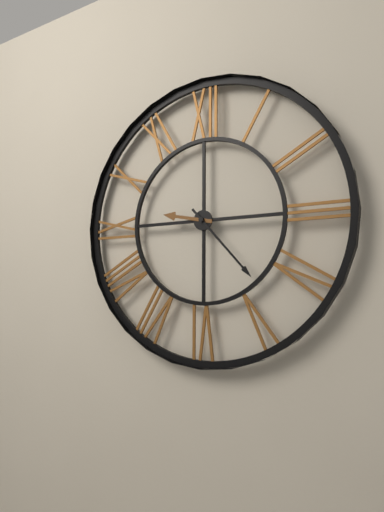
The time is **9:23**
